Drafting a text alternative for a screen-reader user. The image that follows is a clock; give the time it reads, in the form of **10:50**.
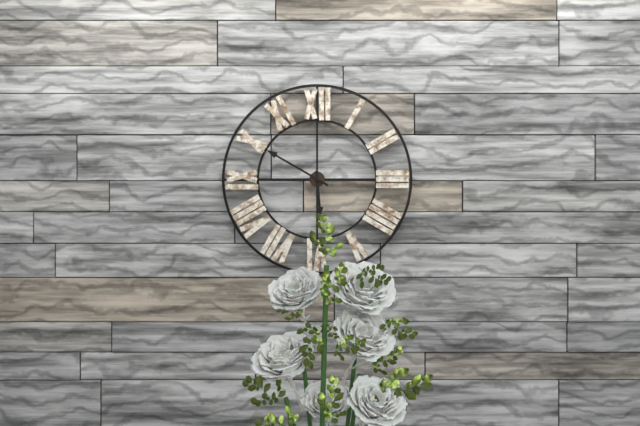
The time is **5:50**
